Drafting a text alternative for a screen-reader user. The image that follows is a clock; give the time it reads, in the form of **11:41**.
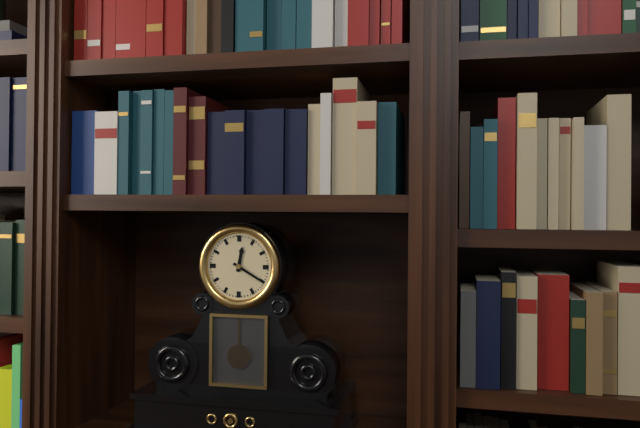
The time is **12:20**
